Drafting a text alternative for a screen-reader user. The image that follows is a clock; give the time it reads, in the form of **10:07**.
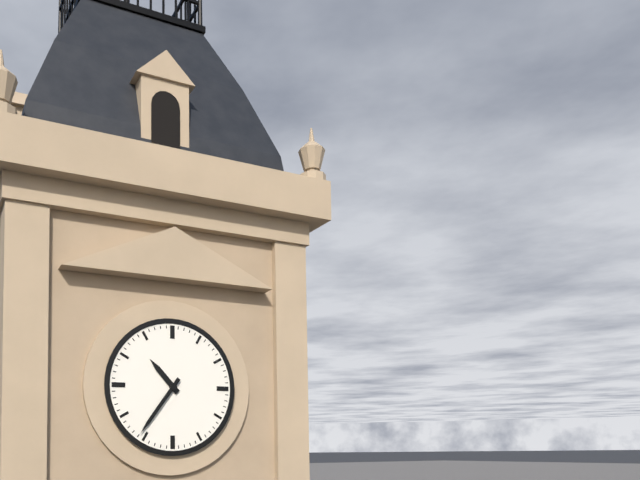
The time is **10:36**
